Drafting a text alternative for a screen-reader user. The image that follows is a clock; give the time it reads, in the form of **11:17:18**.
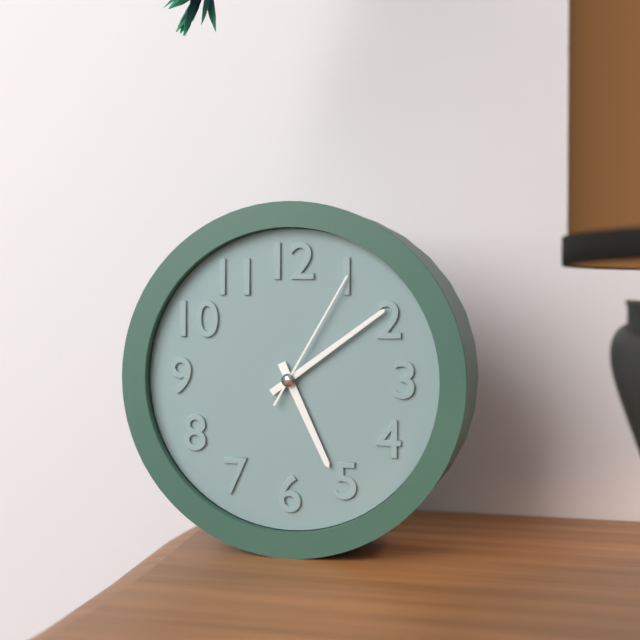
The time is **5:09:05**
